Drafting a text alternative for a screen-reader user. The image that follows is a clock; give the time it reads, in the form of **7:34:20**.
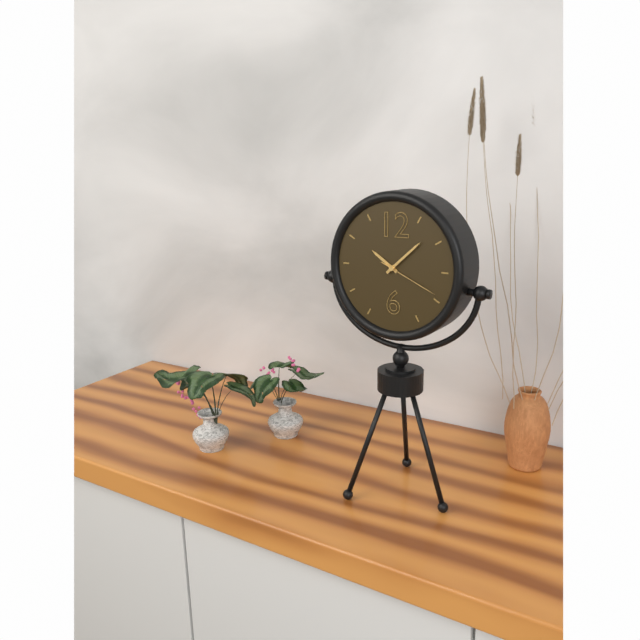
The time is **10:08:19**
